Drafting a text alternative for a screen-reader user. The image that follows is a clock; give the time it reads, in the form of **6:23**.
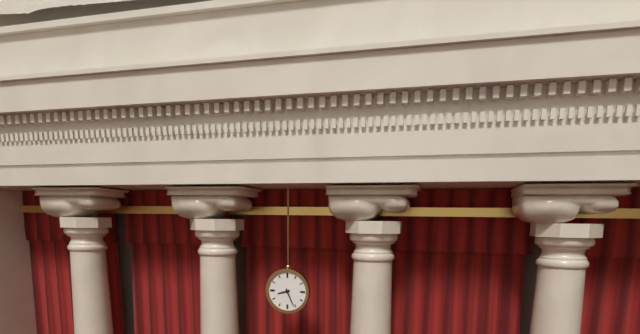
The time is **8:26**
